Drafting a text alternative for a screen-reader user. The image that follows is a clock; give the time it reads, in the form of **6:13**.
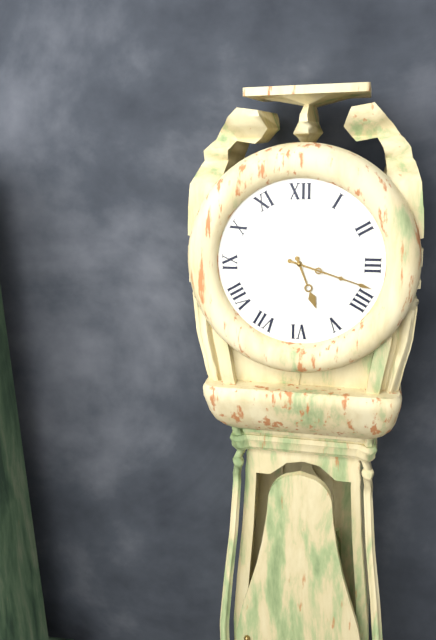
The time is **5:18**
